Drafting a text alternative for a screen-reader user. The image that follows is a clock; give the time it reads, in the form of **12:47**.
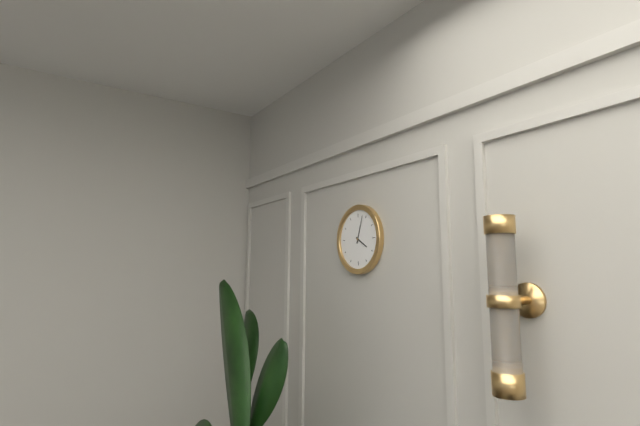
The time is **4:03**
